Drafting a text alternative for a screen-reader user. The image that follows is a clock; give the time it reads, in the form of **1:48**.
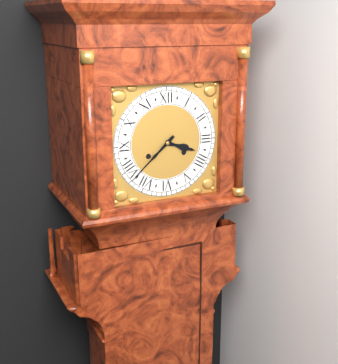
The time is **3:38**
